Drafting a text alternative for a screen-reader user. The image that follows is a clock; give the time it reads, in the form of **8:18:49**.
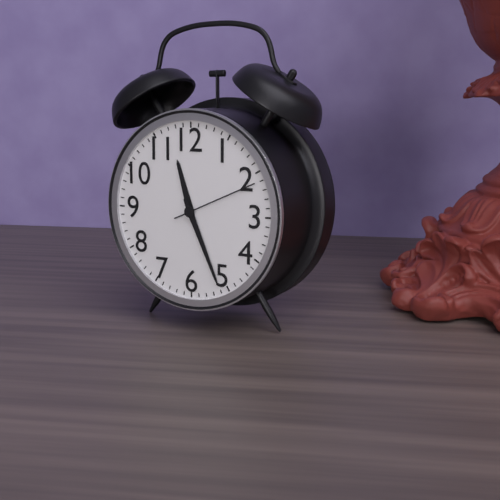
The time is **11:26:11**
